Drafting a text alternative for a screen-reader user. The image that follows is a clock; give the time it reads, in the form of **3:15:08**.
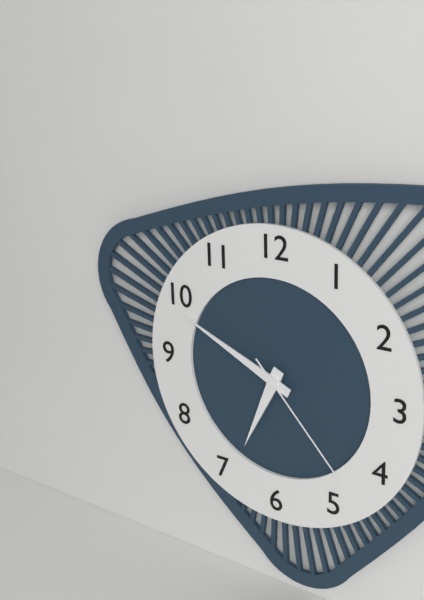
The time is **6:49:23**
